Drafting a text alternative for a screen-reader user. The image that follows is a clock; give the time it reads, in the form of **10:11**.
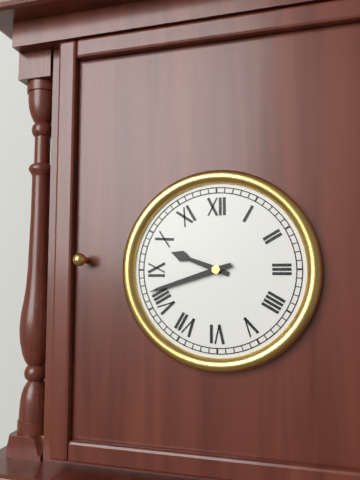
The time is **9:42**
